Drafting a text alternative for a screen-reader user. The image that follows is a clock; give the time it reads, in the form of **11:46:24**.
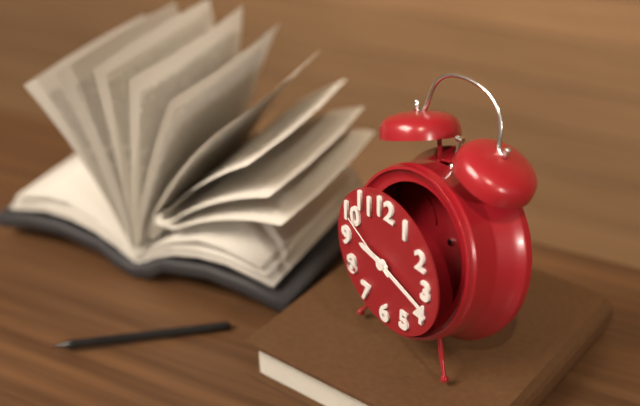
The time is **9:18:50**
